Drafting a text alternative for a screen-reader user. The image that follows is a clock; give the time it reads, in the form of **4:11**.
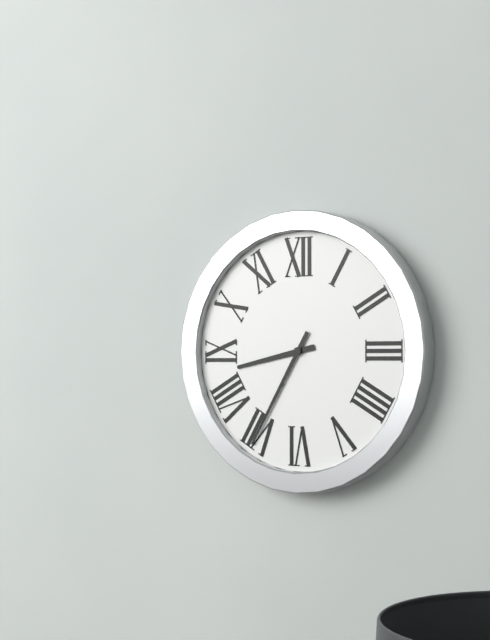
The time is **8:35**
